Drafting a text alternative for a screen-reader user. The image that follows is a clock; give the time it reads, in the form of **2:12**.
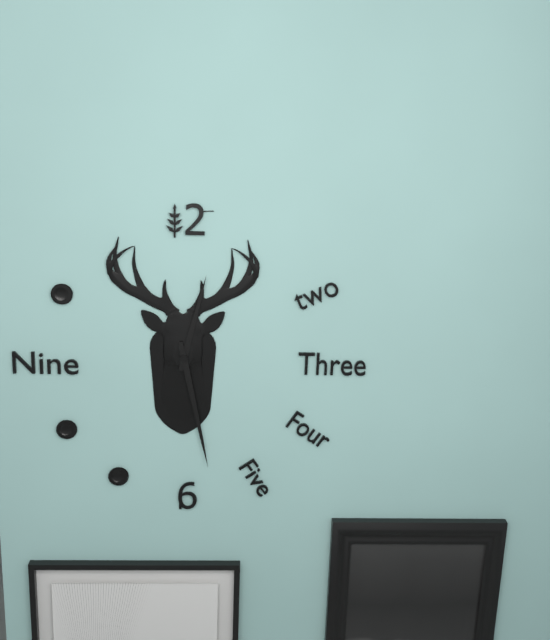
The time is **12:28**
